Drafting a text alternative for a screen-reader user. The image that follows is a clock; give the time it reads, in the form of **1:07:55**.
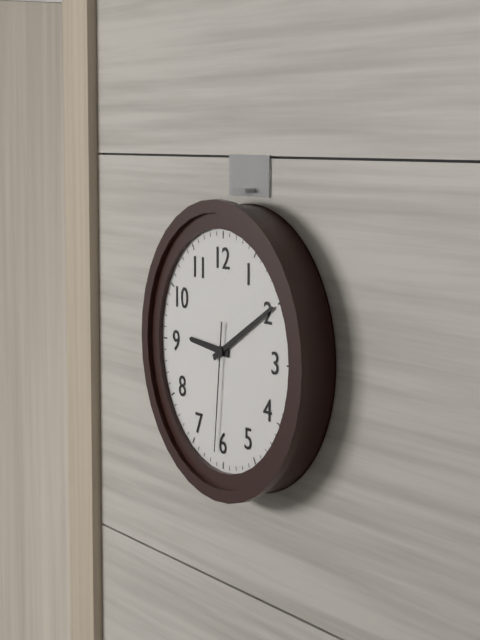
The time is **9:10:31**
